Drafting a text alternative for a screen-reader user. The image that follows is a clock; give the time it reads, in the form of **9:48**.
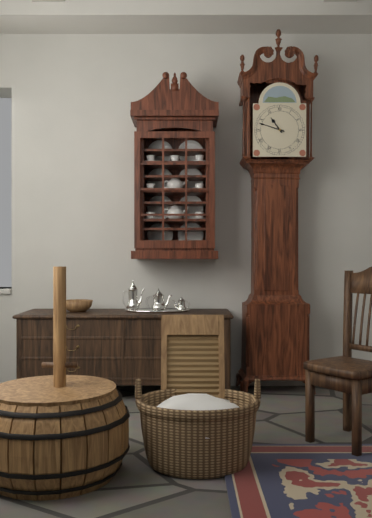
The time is **10:48**
